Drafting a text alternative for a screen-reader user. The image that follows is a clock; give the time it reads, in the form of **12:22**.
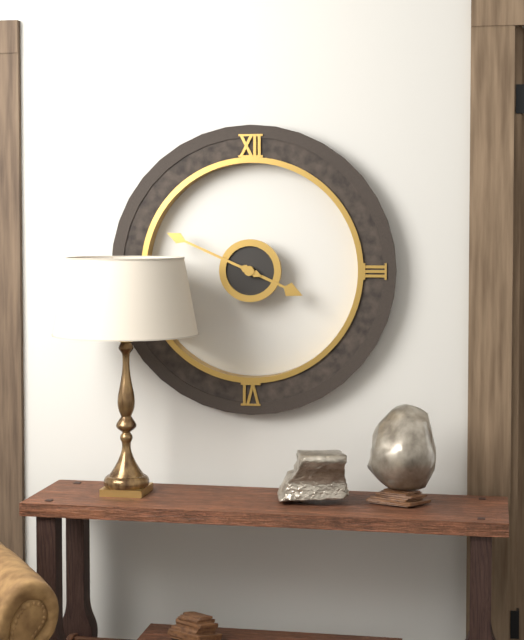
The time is **3:49**
